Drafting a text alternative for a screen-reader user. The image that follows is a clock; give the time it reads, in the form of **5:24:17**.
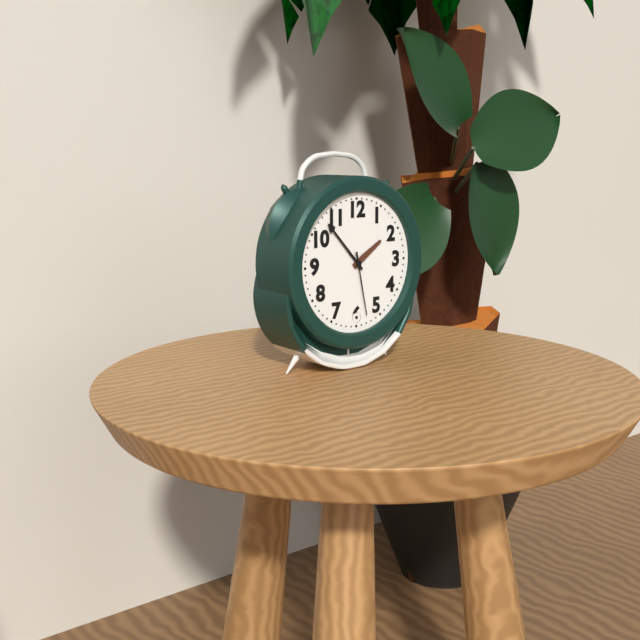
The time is **1:53:28**
